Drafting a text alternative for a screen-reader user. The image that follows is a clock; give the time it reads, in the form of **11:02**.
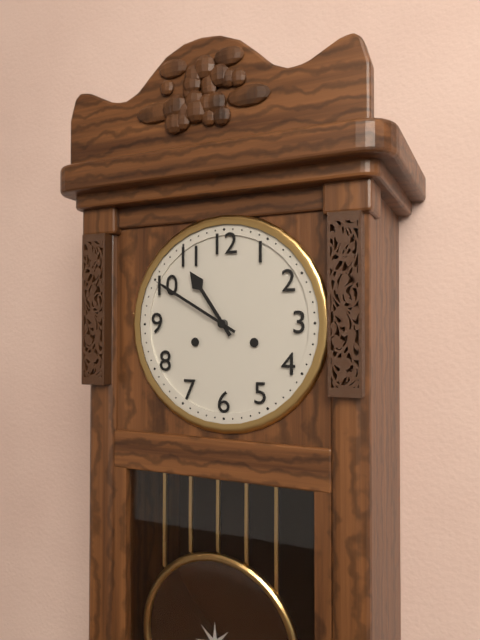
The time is **10:50**
